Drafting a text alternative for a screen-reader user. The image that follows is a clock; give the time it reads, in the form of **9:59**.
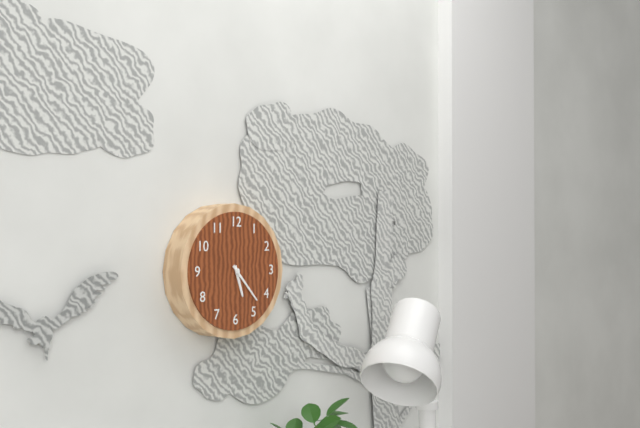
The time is **5:23**
